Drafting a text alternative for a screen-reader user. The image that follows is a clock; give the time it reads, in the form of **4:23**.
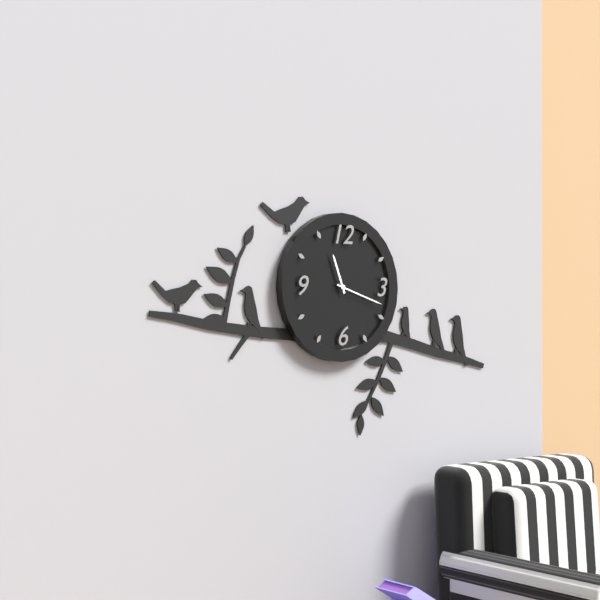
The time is **11:18**
